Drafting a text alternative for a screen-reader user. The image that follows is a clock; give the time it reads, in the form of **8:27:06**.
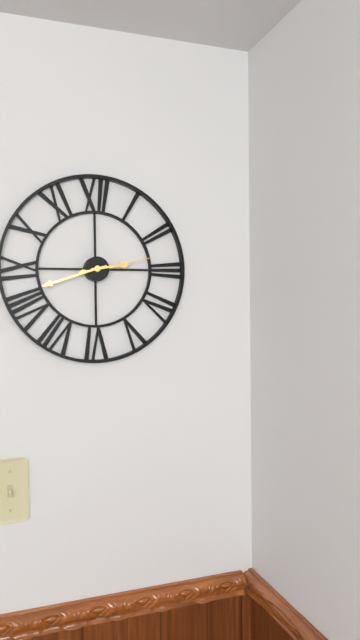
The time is **2:42:13**
